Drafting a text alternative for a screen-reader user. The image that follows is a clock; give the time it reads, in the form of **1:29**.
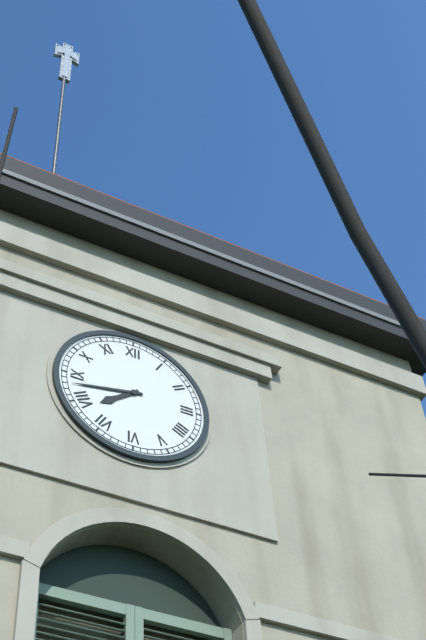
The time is **7:43**
